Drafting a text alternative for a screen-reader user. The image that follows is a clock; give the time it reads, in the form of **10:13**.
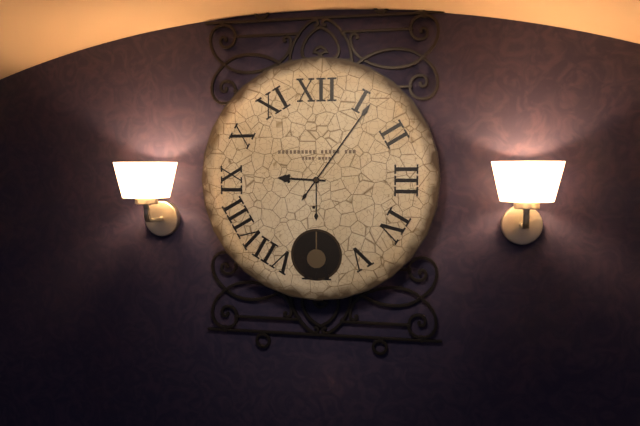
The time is **9:06**
